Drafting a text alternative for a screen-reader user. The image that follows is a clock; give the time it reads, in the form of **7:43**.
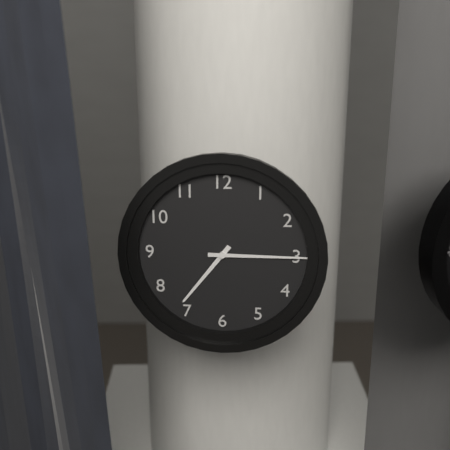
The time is **7:15**
